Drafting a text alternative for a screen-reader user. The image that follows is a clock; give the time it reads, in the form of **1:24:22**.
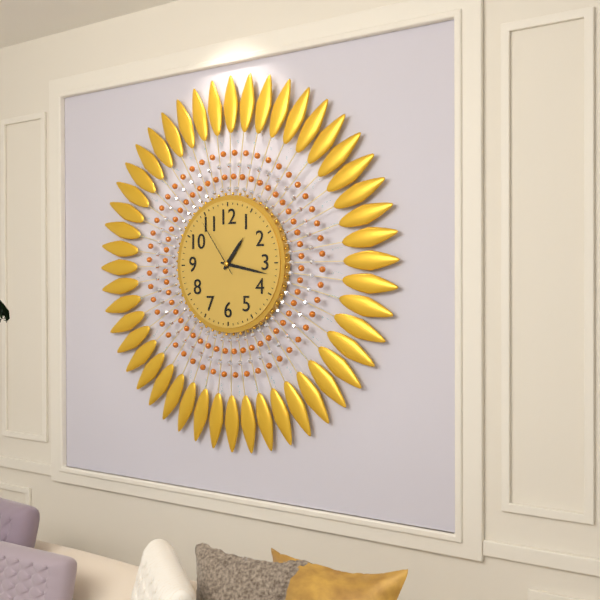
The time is **1:17:54**
